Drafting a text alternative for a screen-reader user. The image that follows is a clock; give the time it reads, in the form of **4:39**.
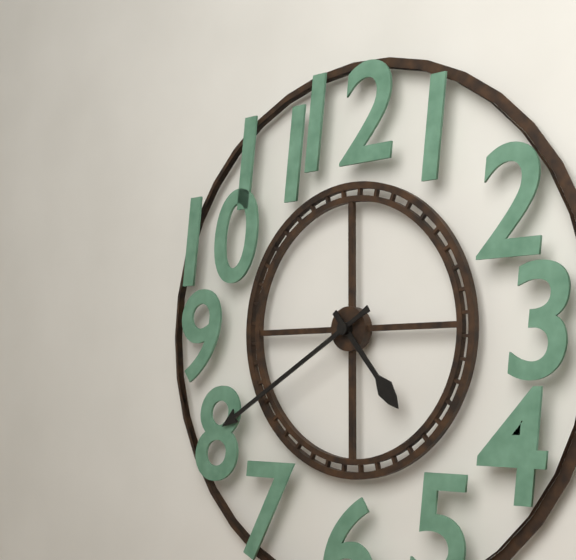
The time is **4:40**
